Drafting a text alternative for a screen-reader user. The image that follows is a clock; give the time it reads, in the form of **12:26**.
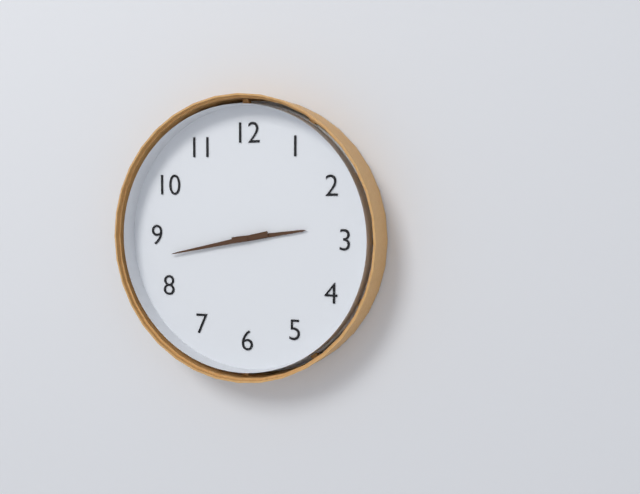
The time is **2:43**
